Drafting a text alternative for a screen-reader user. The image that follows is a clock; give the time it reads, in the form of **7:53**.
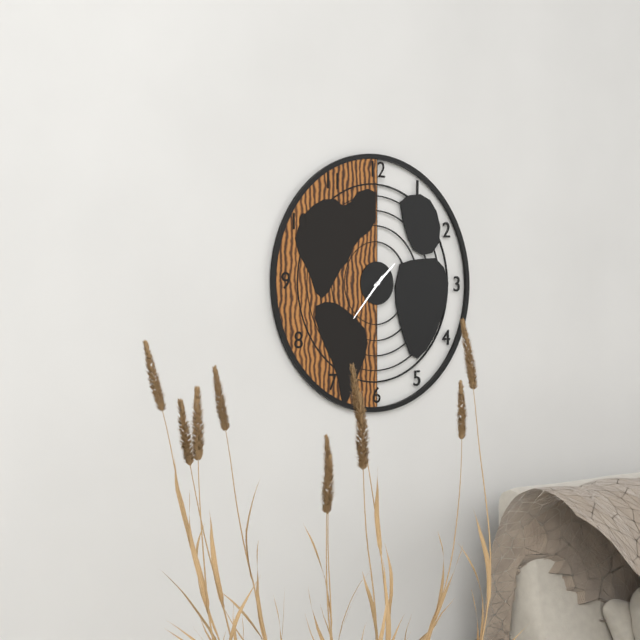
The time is **1:37**
